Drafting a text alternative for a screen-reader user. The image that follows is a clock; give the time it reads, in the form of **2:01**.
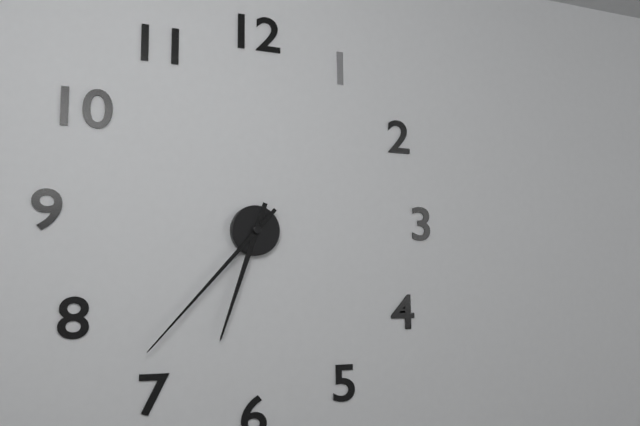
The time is **6:37**
